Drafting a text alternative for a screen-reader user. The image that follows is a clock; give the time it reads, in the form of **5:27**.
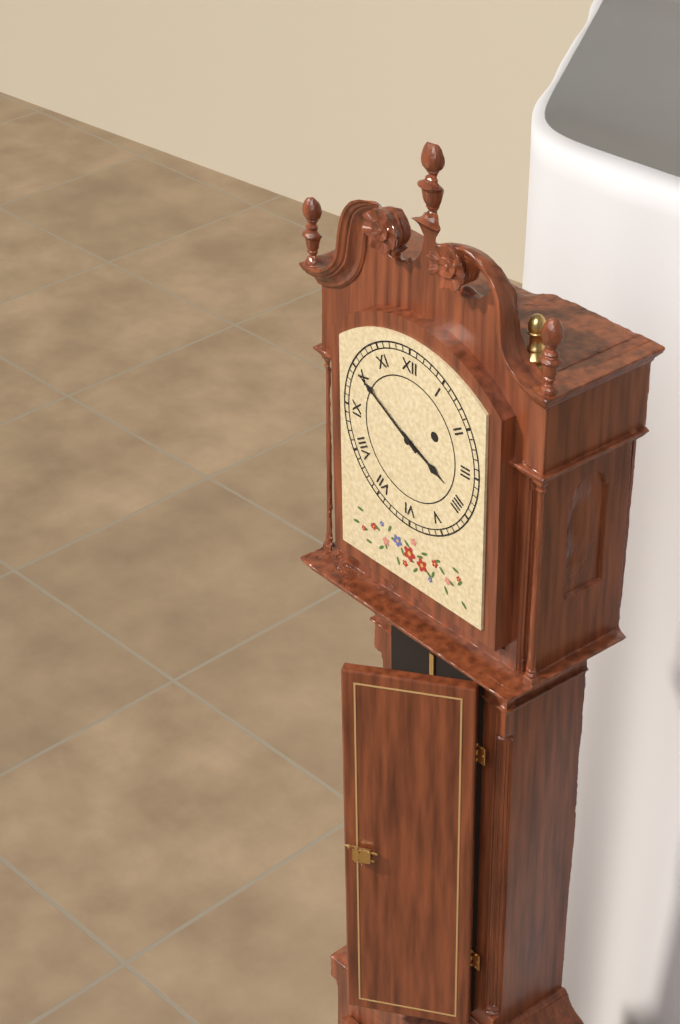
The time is **3:50**
